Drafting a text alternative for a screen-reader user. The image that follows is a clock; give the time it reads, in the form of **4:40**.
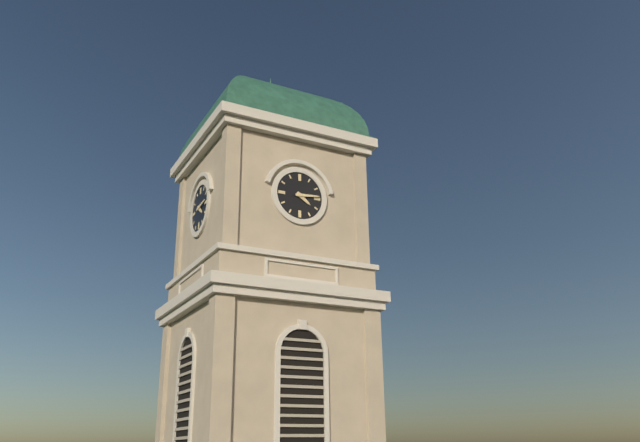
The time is **4:14**
